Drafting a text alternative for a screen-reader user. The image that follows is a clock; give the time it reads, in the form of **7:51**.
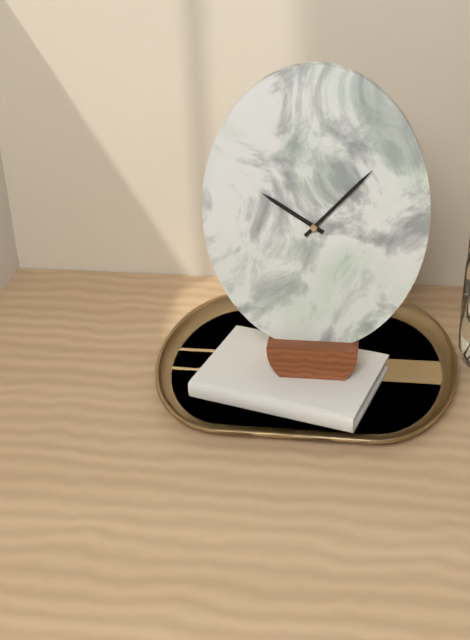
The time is **10:07**
